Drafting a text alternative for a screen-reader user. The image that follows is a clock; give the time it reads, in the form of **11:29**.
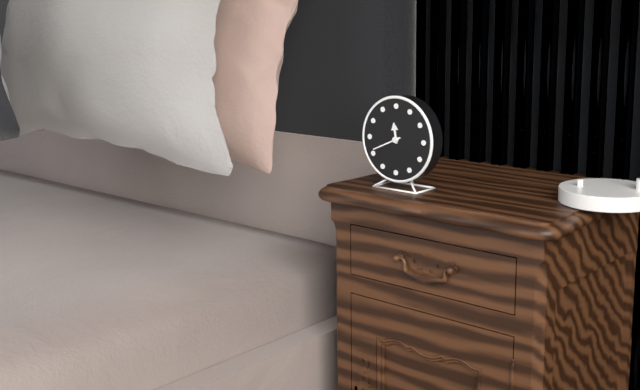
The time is **11:41**
